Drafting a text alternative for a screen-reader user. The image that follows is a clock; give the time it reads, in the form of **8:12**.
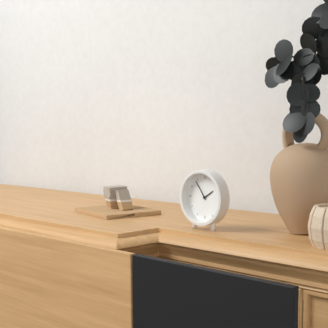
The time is **1:54**
